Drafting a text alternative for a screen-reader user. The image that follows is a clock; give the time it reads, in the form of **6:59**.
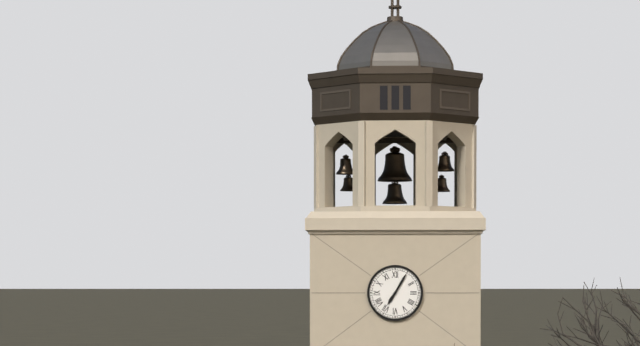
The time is **7:05**
